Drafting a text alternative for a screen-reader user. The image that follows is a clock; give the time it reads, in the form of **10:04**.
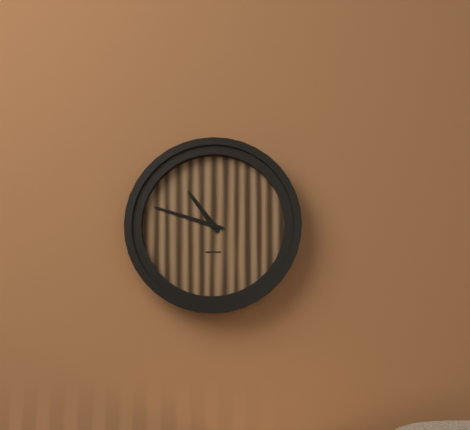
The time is **10:48**
